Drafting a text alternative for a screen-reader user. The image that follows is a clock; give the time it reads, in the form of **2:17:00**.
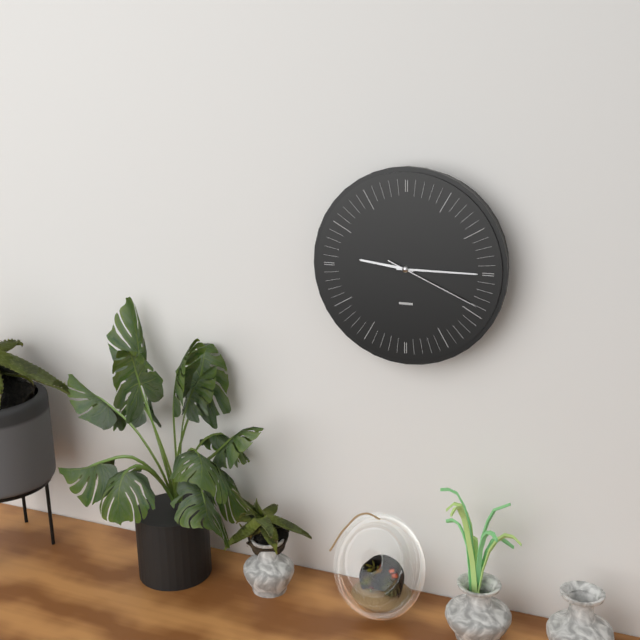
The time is **9:15:19**
